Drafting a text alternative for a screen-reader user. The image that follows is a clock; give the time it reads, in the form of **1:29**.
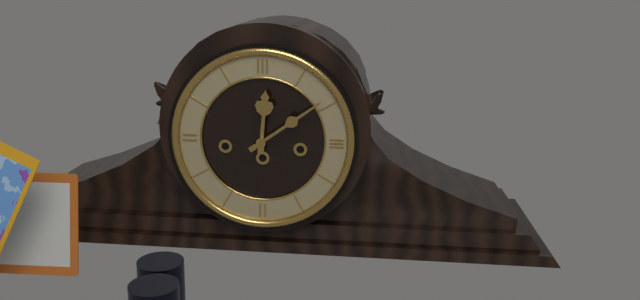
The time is **12:09**
